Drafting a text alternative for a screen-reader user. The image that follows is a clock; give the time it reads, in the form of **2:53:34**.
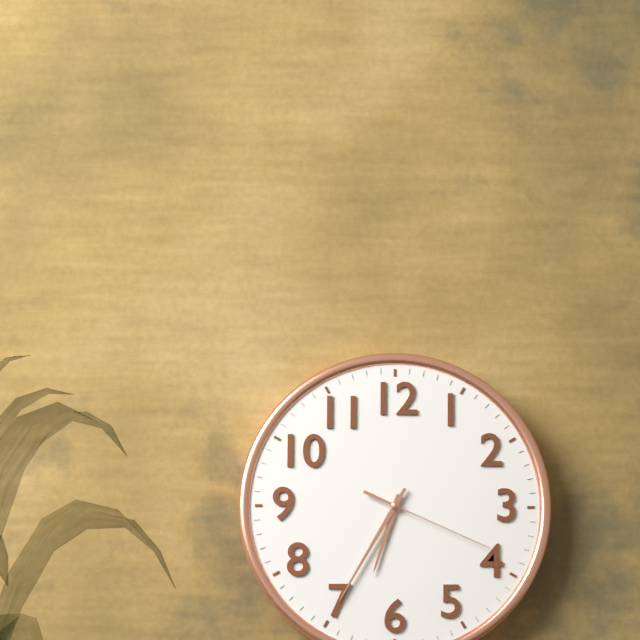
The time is **6:35:19**
